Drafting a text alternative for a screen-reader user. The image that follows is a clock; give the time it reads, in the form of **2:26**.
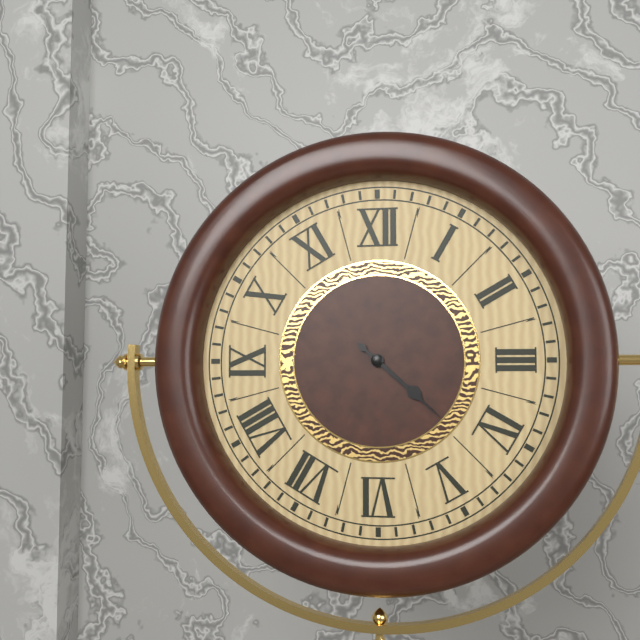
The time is **4:22**
